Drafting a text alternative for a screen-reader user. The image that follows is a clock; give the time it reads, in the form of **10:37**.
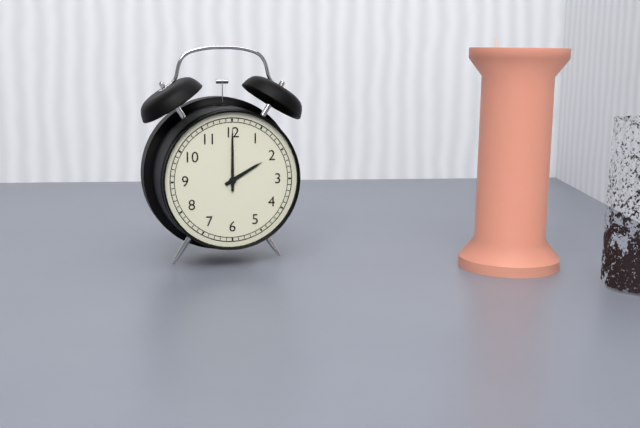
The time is **2:00**
